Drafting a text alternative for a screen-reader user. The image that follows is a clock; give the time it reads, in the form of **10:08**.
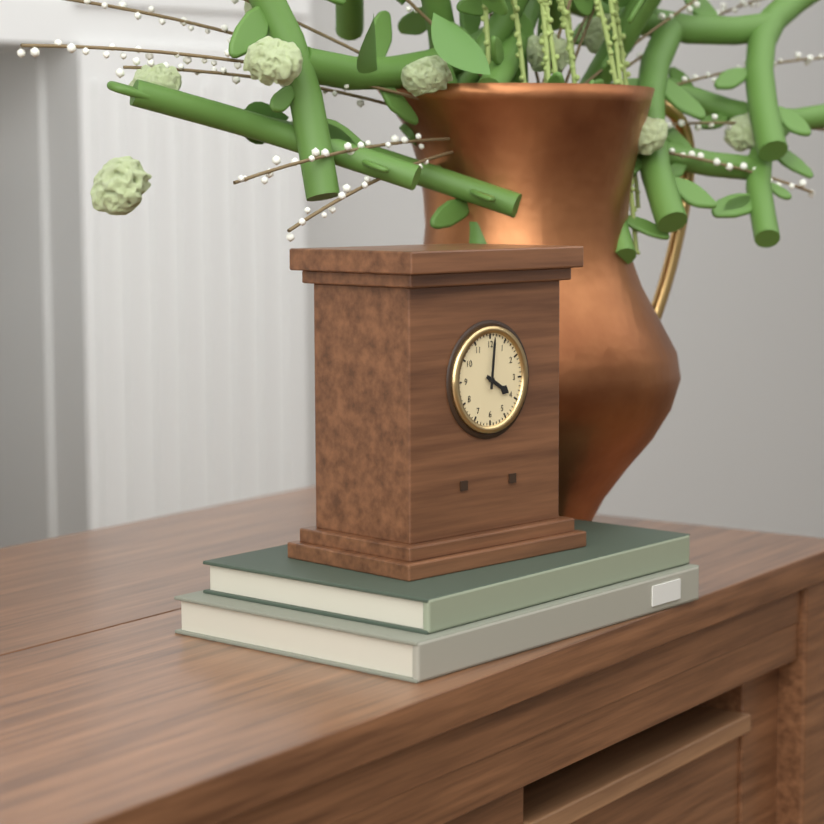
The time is **4:01**
